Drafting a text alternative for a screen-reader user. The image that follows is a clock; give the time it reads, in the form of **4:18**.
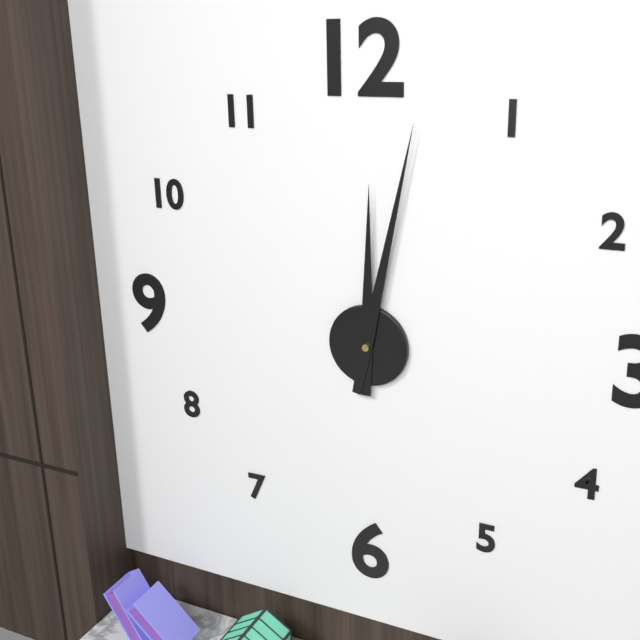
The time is **12:02**
